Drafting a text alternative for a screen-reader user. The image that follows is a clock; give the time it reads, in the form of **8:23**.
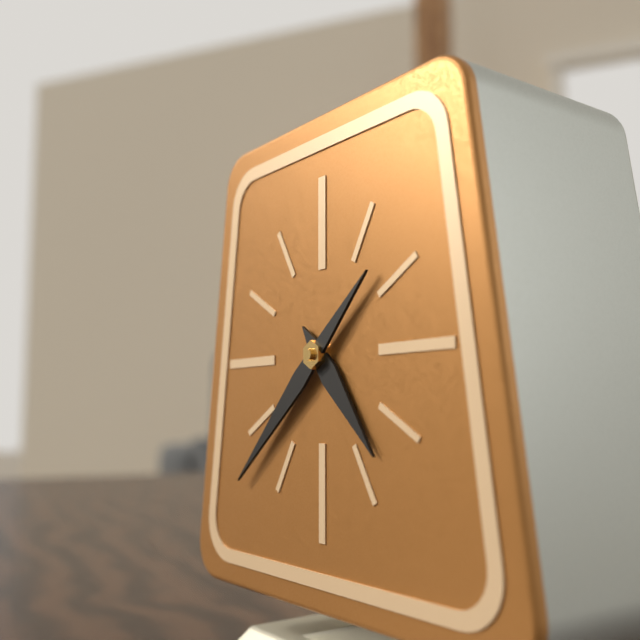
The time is **4:38**
